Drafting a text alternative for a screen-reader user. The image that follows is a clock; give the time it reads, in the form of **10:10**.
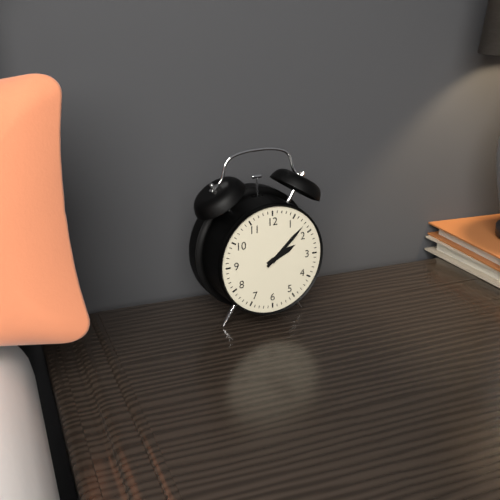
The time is **2:08**
